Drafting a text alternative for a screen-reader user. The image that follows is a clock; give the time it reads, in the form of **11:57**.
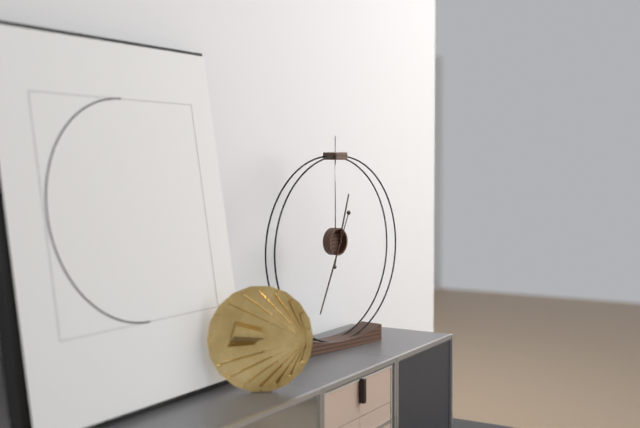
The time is **12:34**
